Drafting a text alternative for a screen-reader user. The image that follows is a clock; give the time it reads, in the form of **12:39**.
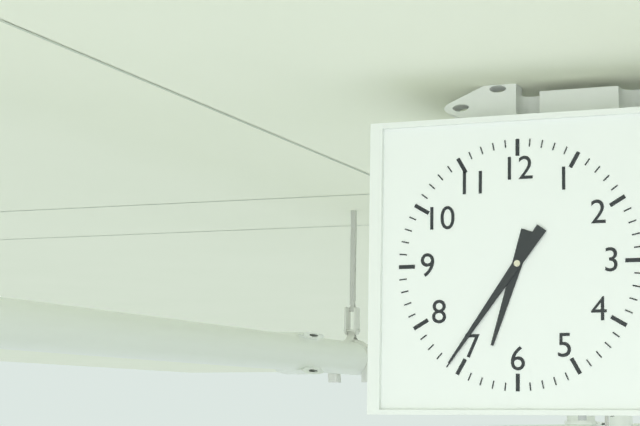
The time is **6:36**
